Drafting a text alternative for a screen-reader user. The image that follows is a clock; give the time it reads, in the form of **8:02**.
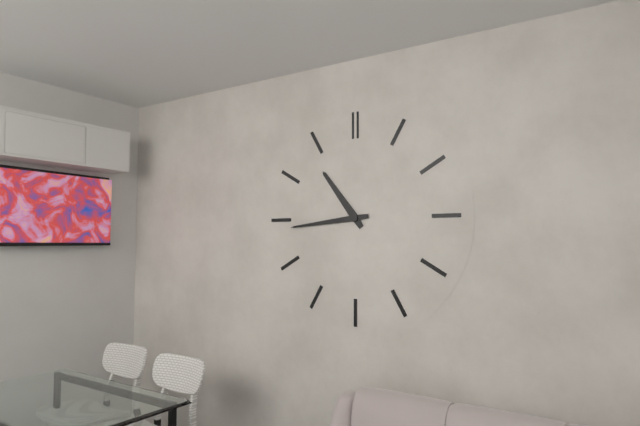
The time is **10:44**
